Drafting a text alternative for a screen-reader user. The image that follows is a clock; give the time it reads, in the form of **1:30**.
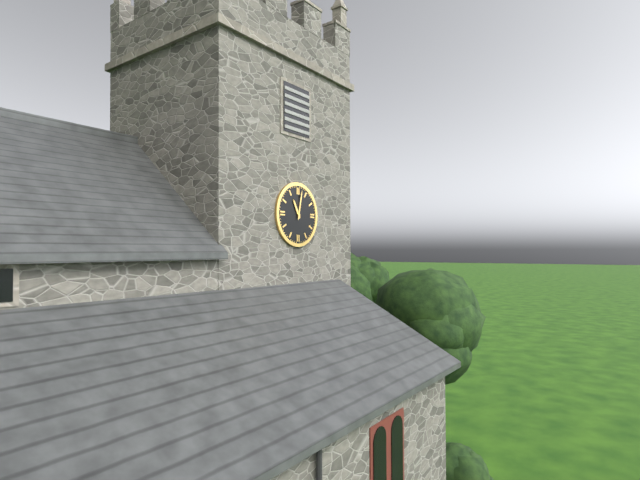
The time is **11:02**
